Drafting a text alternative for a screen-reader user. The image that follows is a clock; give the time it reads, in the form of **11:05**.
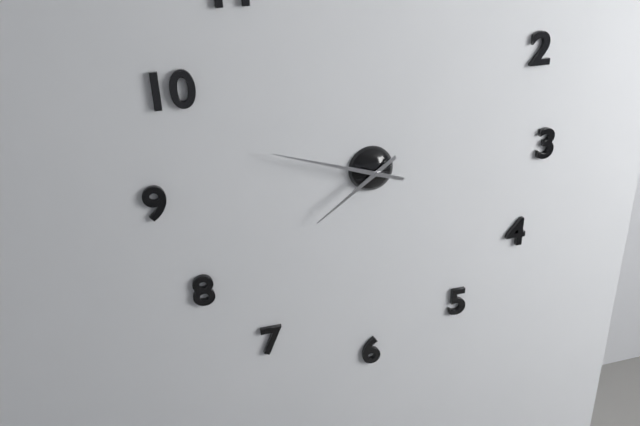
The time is **7:48**
